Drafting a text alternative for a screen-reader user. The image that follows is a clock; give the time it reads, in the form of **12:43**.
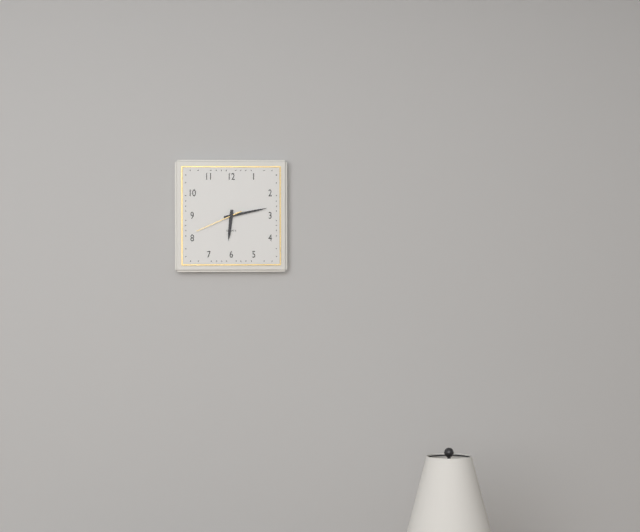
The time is **6:13**
